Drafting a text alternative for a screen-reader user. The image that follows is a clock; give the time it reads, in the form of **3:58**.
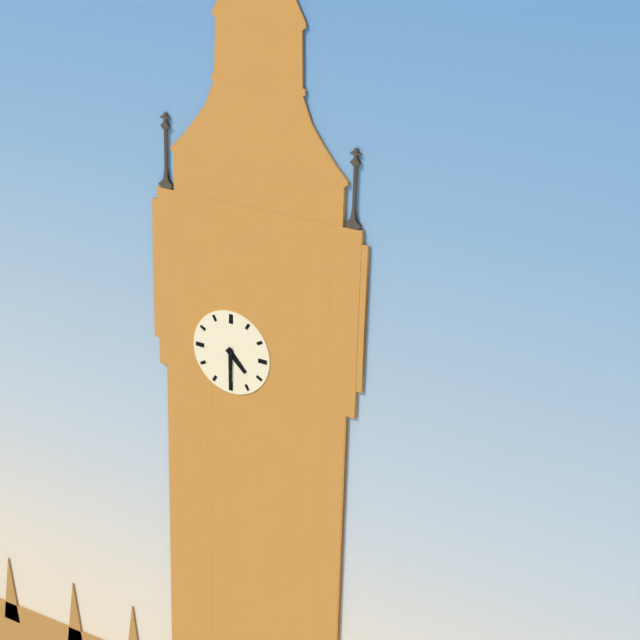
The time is **4:30**
